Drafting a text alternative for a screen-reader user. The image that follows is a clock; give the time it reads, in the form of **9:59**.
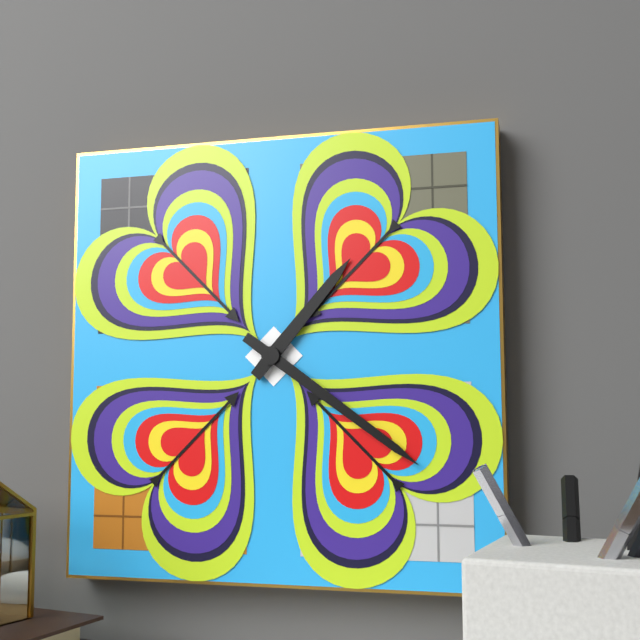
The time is **1:21**
